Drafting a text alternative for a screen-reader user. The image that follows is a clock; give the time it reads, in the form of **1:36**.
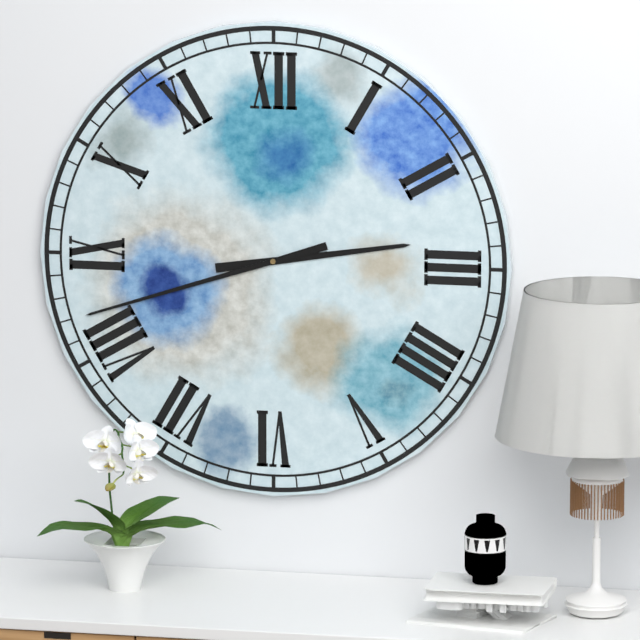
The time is **2:42**
